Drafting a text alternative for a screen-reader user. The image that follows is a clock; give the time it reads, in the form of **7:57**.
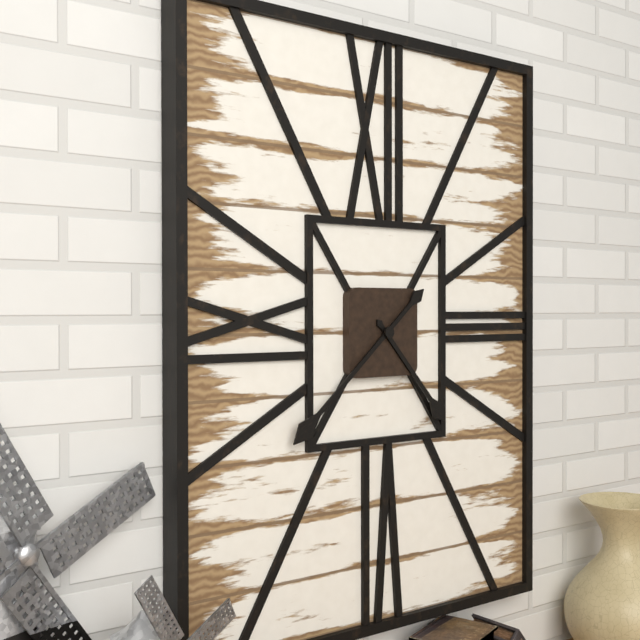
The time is **4:38**
